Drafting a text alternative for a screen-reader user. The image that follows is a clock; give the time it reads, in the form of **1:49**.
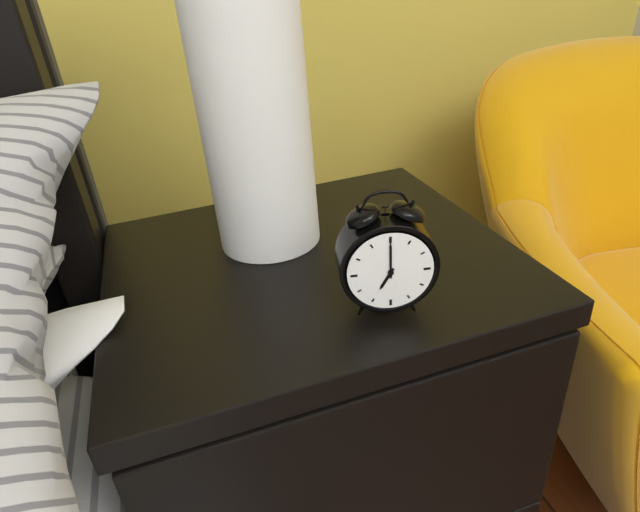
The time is **7:00**
